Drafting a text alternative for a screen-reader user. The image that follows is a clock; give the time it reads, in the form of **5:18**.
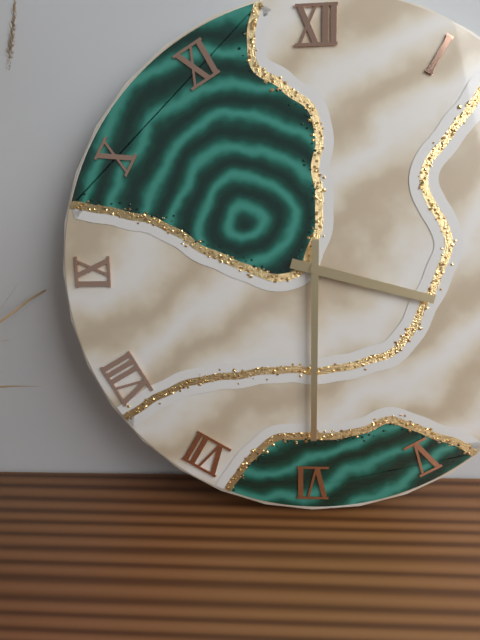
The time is **3:30**
